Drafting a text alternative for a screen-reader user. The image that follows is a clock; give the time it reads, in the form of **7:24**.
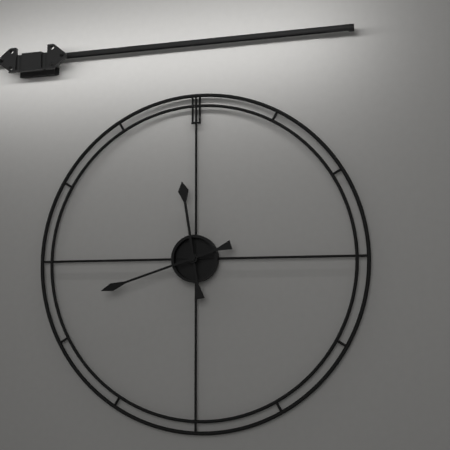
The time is **11:42**
